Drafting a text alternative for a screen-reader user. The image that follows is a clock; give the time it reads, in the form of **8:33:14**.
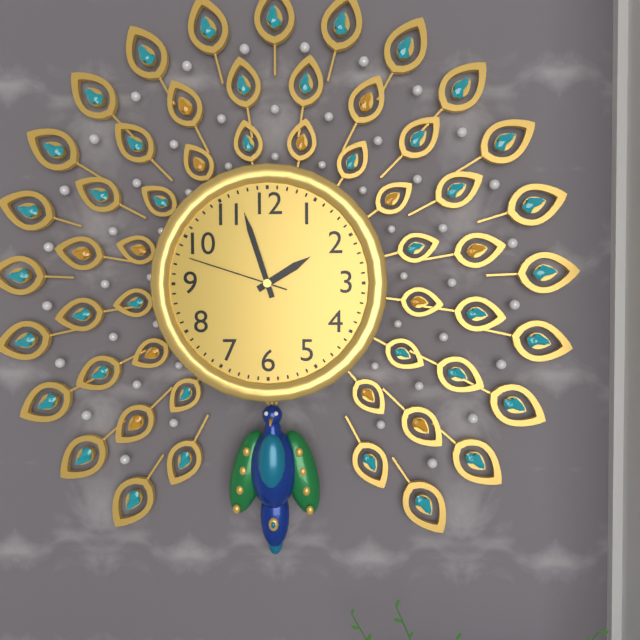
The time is **1:57:48**
